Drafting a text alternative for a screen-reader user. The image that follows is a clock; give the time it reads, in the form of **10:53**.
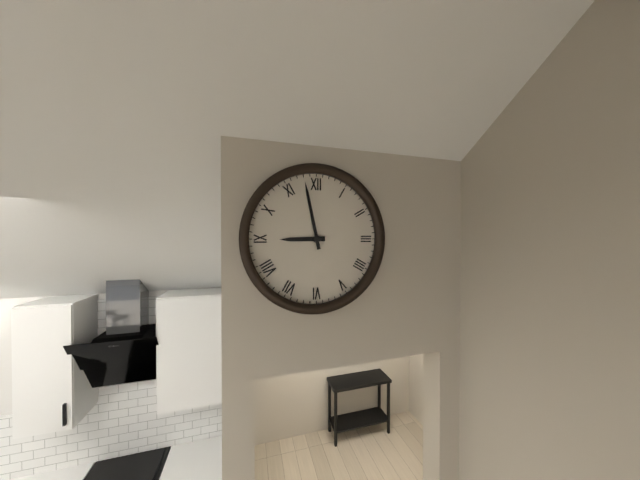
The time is **8:58**
